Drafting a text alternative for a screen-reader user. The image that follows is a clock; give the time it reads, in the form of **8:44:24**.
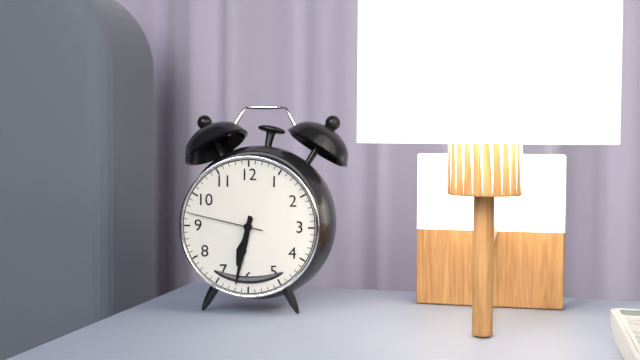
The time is **6:32:47**
